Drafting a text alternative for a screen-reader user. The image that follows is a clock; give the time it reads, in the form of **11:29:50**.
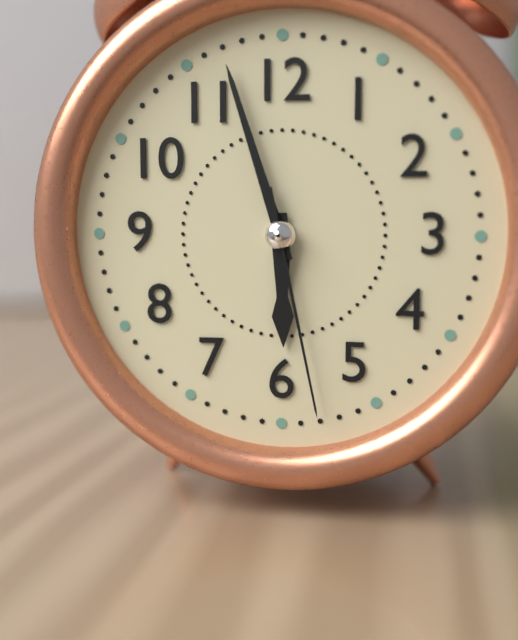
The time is **5:57:28**
